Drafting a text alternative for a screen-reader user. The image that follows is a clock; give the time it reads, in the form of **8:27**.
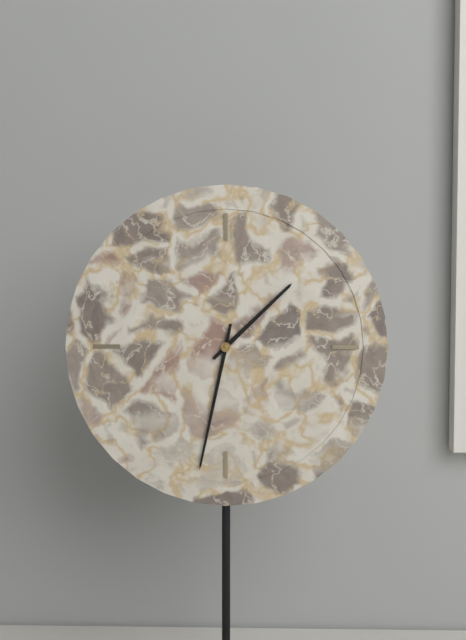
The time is **1:32**
